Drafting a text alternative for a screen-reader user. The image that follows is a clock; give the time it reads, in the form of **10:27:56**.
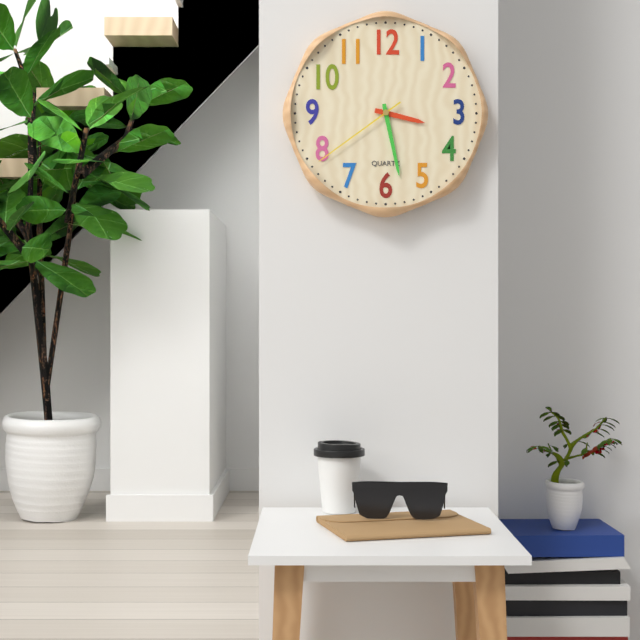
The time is **3:28:39**
